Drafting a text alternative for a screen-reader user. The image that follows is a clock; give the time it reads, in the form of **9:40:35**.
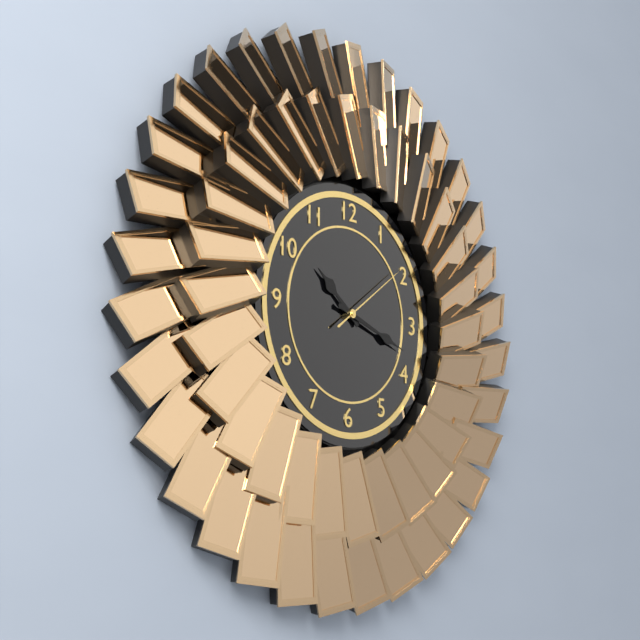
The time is **10:18:09**
